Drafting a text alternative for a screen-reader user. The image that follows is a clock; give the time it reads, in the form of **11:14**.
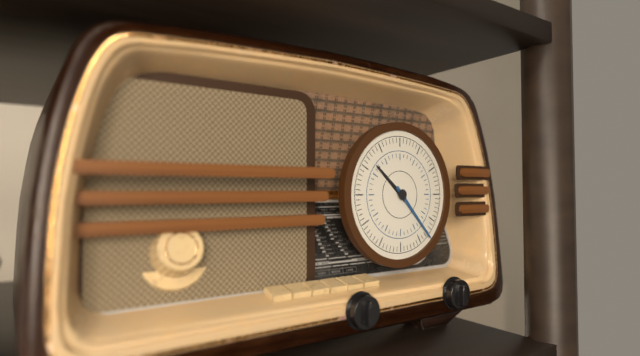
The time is **10:23**
